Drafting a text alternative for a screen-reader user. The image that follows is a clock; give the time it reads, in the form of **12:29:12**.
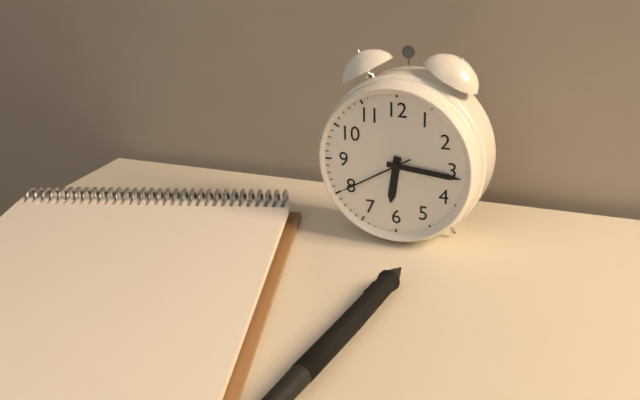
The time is **6:16:40**
